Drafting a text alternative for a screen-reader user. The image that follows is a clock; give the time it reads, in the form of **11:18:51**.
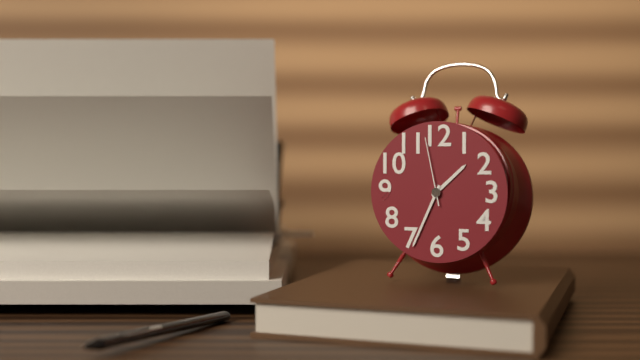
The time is **1:34:58**
